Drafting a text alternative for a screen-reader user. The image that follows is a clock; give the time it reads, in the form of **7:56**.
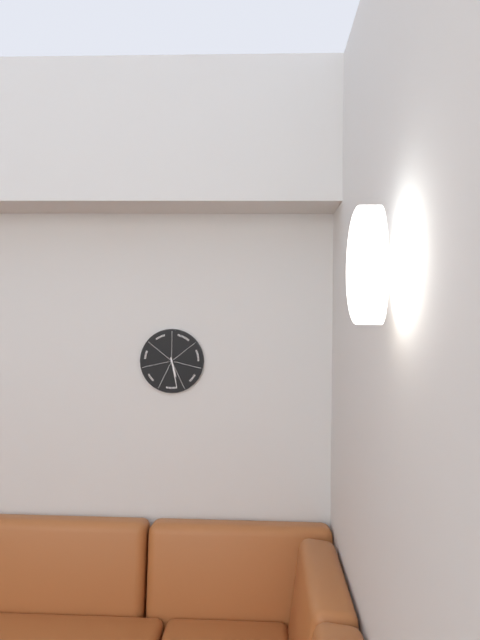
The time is **5:28**
